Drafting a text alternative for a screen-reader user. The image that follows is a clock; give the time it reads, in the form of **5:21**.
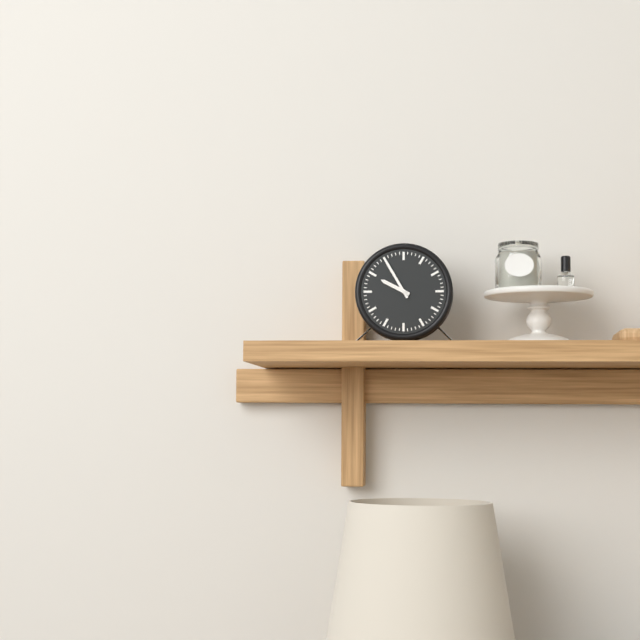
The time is **9:55**
